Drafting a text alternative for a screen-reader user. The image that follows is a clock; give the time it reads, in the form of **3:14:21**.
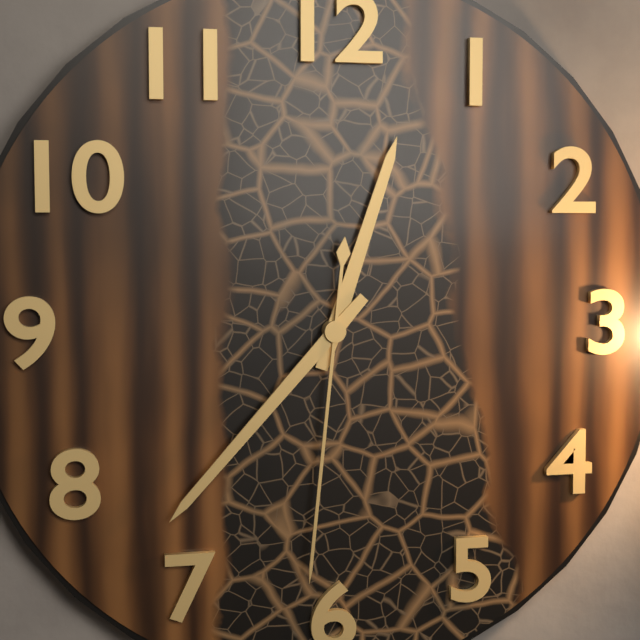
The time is **12:37:31**
